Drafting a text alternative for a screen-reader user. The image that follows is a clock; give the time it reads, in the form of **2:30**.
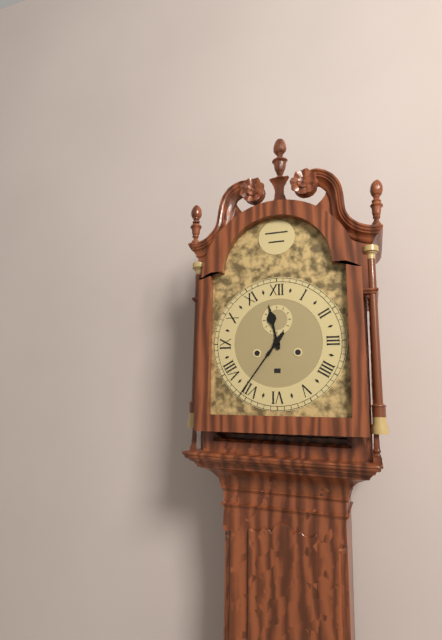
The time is **11:36**
